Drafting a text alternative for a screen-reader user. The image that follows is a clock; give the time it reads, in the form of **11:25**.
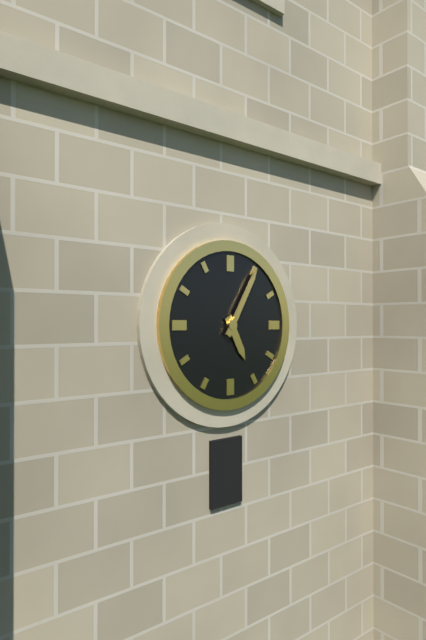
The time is **5:05**
